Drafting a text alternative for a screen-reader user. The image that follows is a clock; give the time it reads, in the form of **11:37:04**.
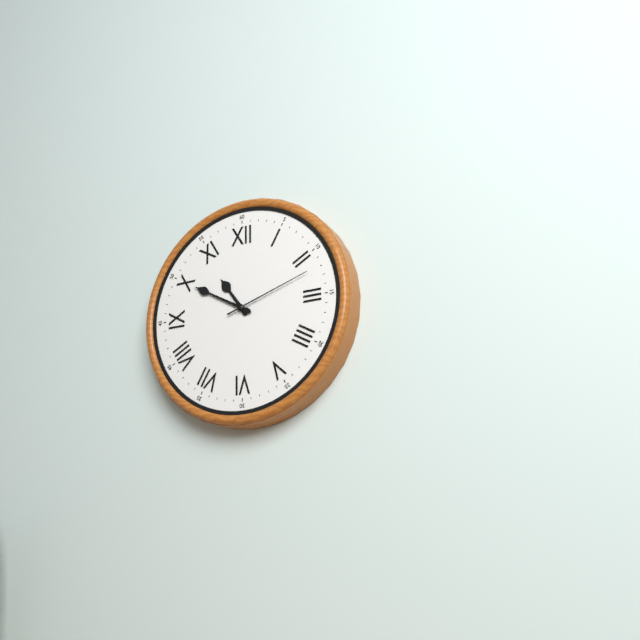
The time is **10:50:12**
